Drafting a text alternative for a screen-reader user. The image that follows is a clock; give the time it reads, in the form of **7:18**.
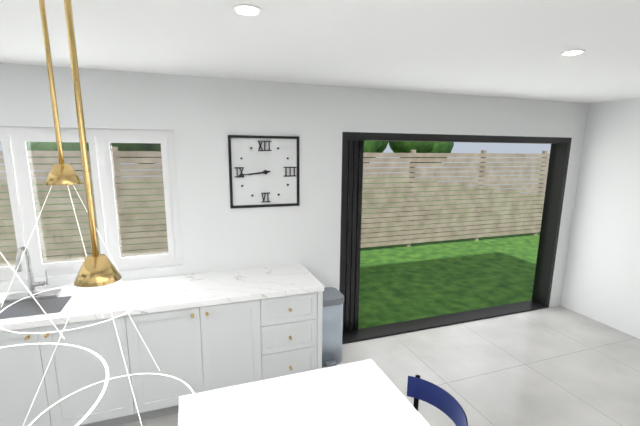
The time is **8:44**
